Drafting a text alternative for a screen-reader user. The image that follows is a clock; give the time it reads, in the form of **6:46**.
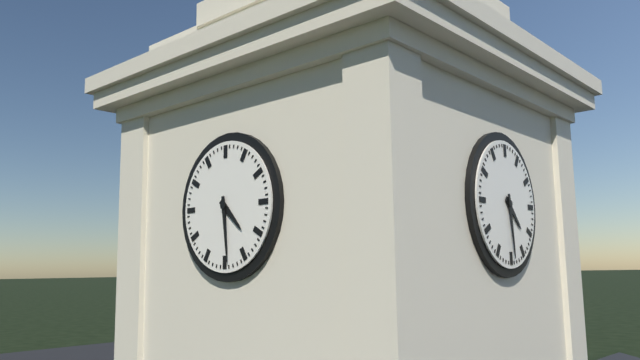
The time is **4:29**
